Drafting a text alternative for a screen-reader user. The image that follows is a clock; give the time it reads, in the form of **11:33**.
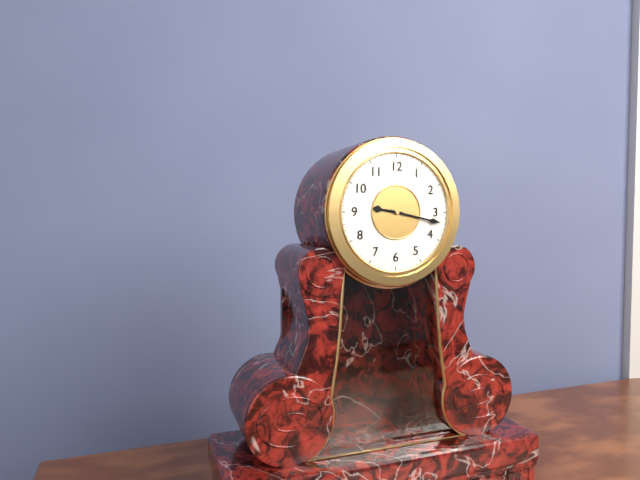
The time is **9:17**
